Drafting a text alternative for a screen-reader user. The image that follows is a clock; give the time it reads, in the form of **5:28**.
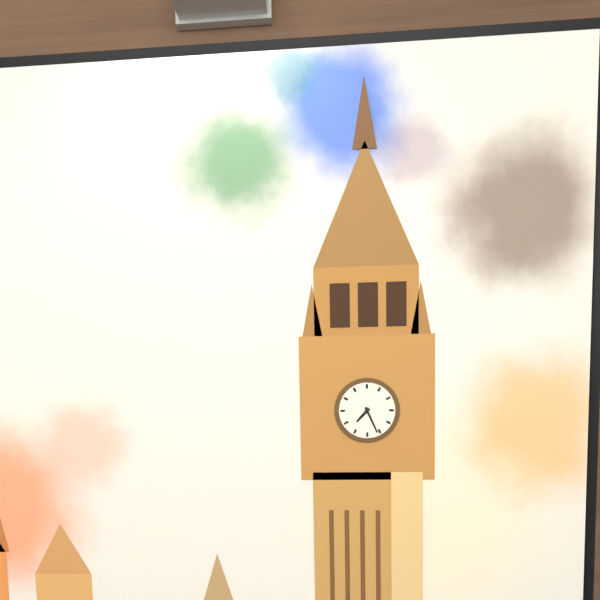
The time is **7:26**
